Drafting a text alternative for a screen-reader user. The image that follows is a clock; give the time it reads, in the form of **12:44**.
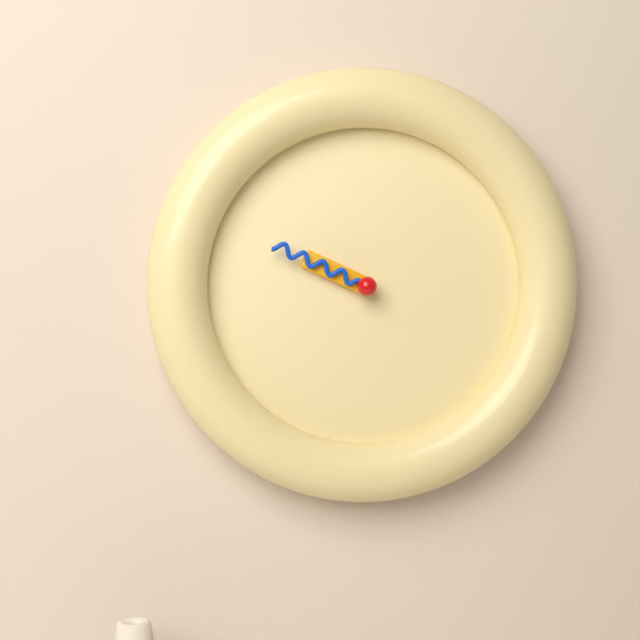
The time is **9:49**
